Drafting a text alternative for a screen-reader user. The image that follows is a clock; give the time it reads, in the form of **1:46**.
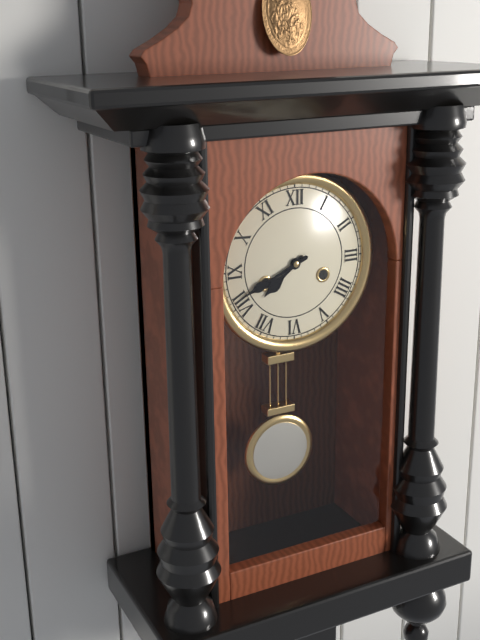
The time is **7:41**
